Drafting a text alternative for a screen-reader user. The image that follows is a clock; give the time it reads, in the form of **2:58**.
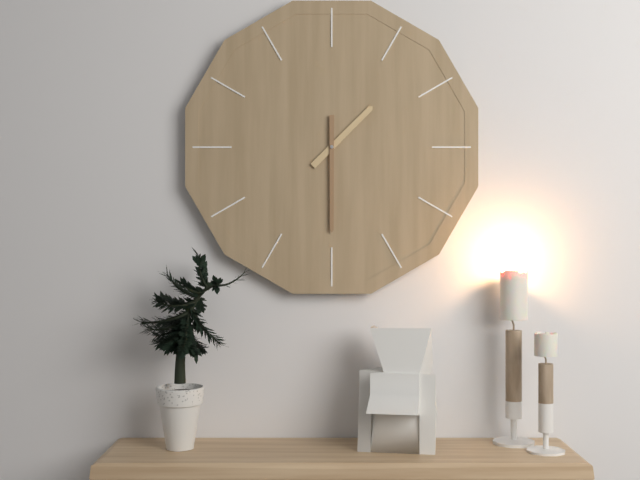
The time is **1:30**
